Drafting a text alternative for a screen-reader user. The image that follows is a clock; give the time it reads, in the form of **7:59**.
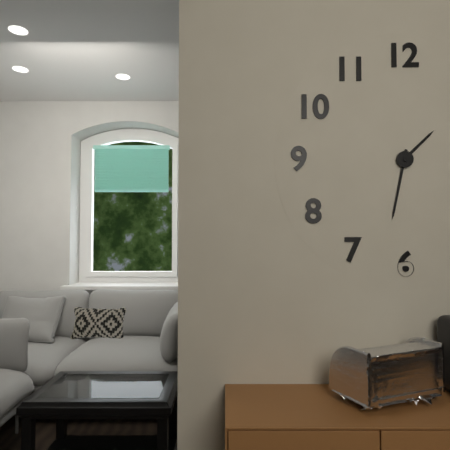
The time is **1:32**
